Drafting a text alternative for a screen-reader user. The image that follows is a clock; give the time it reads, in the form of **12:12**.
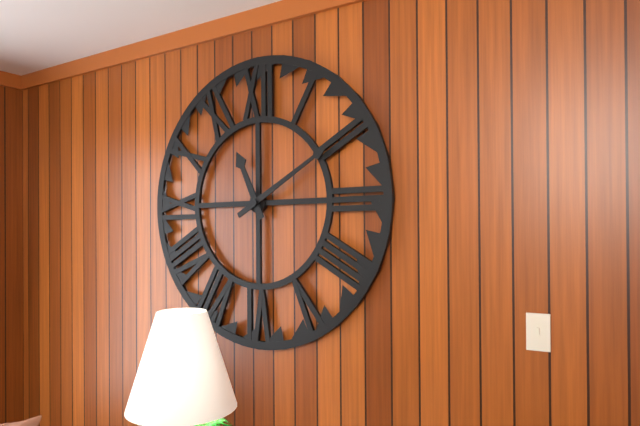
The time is **11:10**
